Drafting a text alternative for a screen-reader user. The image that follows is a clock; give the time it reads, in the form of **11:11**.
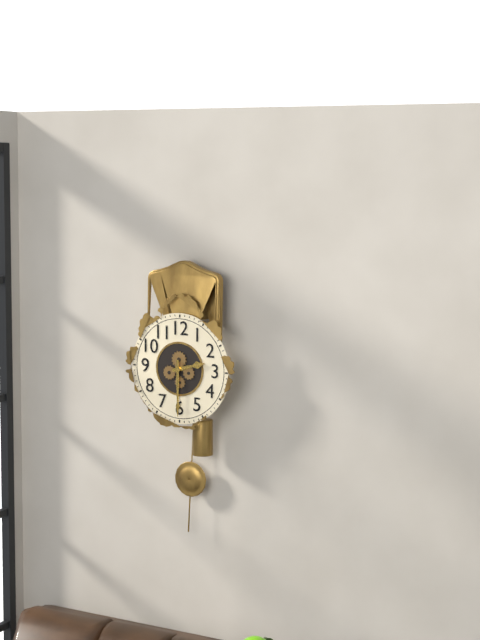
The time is **2:30**
